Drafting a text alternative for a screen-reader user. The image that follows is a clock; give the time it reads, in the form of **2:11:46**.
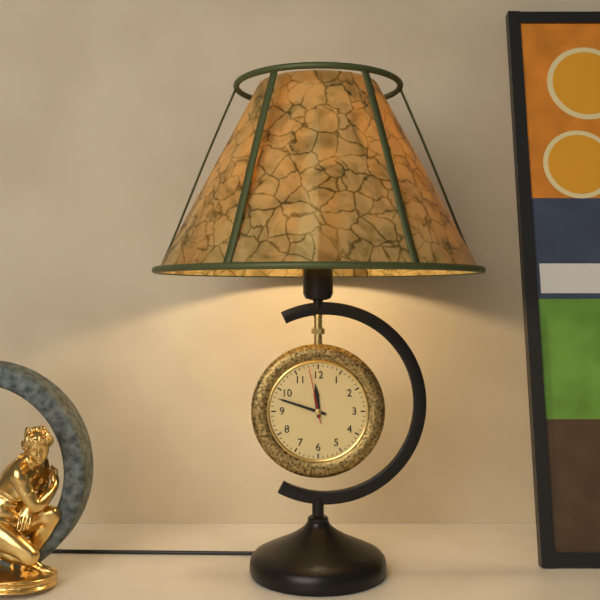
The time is **11:48:58**
